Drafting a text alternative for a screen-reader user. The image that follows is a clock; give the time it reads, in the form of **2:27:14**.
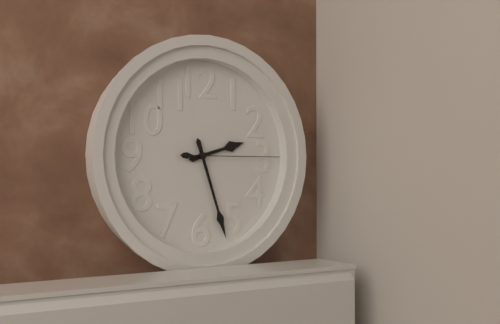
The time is **2:27:15**
